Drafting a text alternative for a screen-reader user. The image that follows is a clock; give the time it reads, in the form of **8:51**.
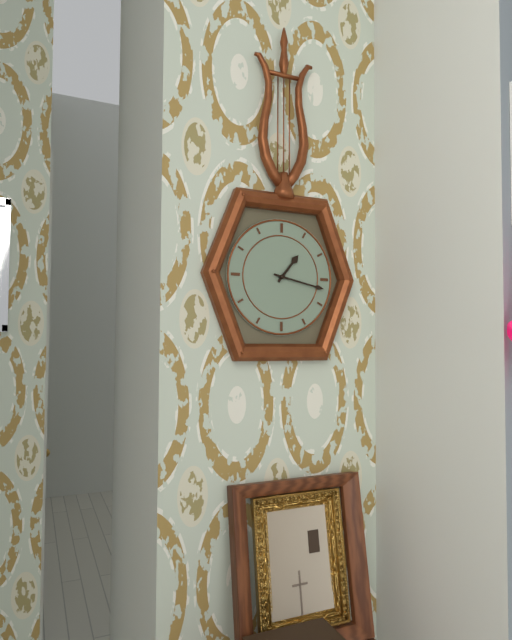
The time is **1:17**
